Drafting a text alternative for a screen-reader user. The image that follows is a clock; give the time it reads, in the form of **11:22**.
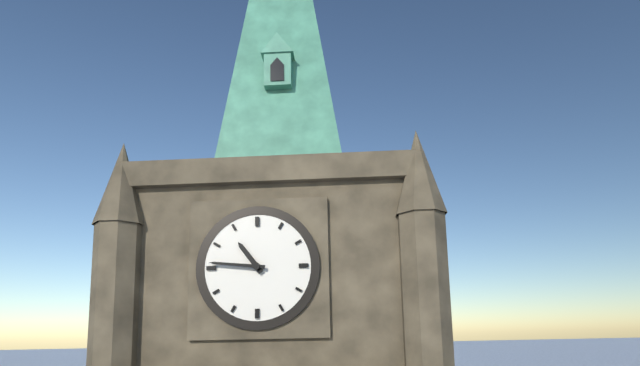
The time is **10:46**
